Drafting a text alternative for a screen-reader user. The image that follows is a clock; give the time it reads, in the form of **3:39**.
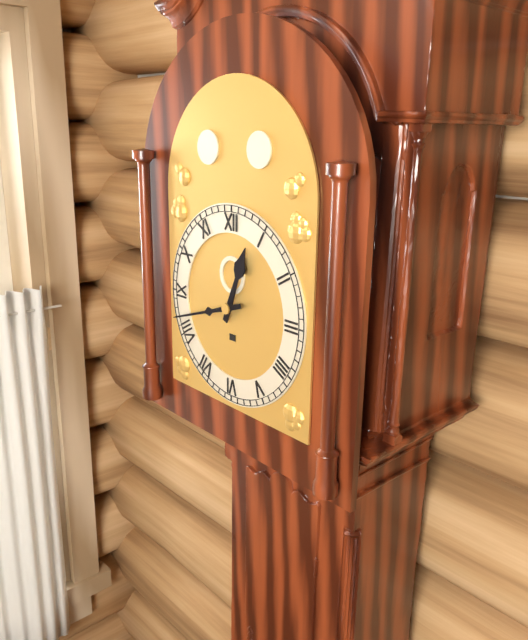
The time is **12:42**
